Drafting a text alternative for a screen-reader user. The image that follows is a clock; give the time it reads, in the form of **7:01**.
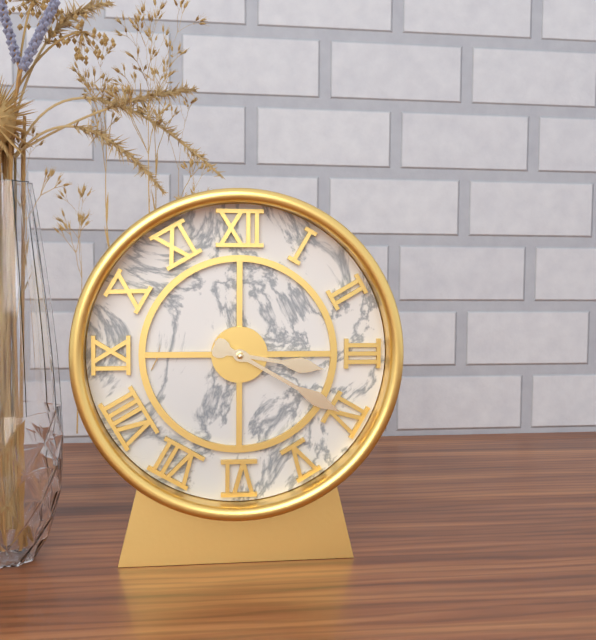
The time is **3:20**
